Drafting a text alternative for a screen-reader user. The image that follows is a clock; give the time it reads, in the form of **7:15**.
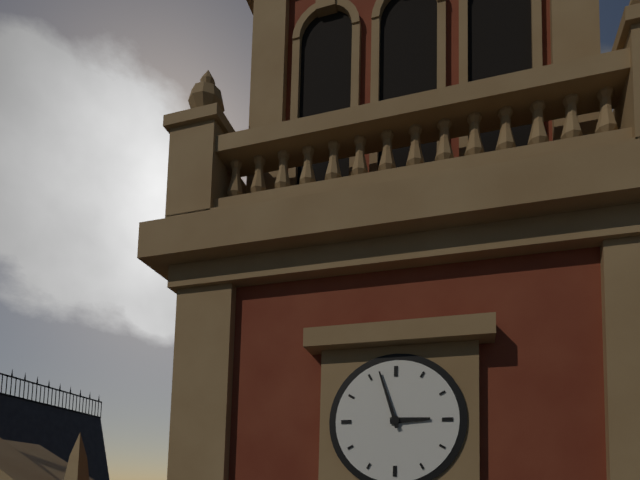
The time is **2:57**
